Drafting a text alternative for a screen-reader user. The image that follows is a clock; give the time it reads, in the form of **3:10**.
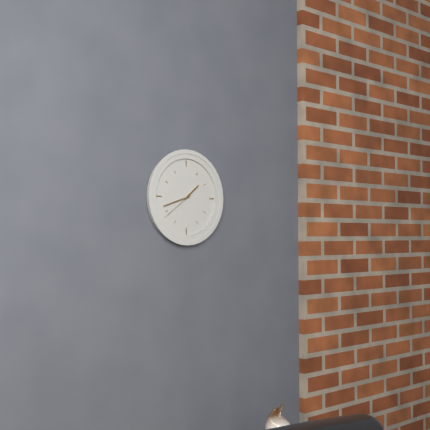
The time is **1:42**
